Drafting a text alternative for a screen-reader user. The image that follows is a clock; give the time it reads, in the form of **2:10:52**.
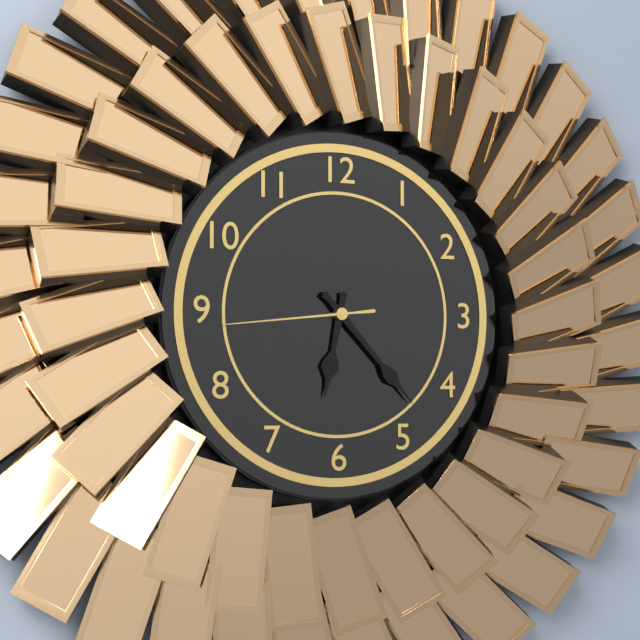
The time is **6:23:44**
